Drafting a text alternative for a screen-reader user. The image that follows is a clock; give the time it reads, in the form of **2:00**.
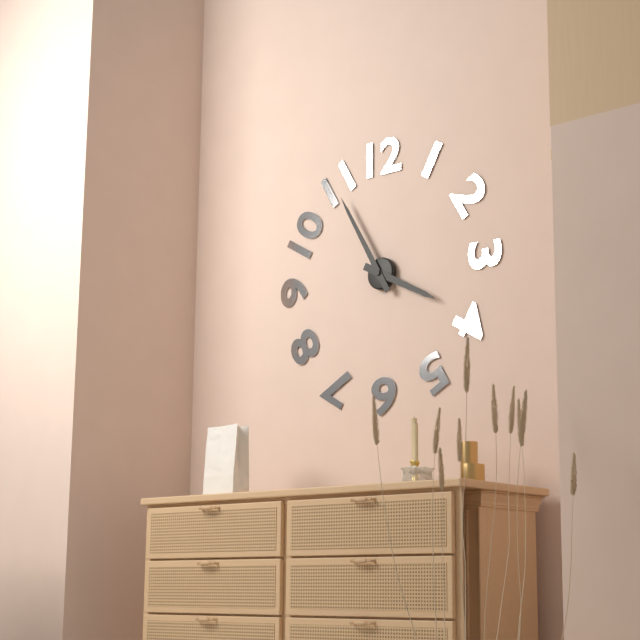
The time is **3:55**
